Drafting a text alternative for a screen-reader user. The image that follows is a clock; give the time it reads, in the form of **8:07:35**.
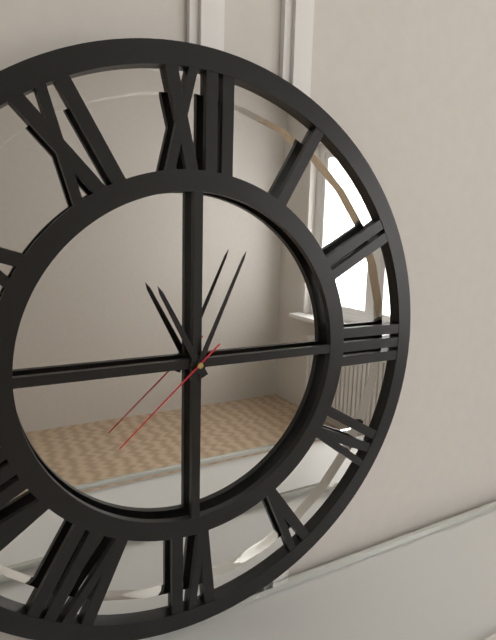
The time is **11:04:38**
